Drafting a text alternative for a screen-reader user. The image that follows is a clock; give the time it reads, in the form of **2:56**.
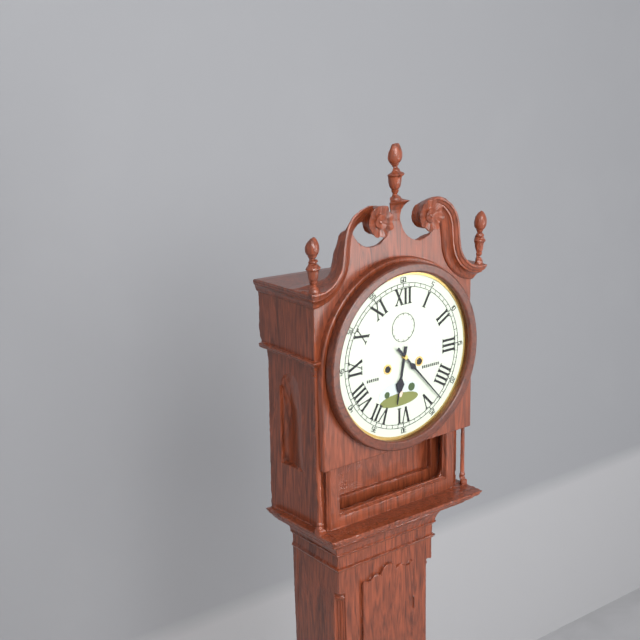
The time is **6:23**
